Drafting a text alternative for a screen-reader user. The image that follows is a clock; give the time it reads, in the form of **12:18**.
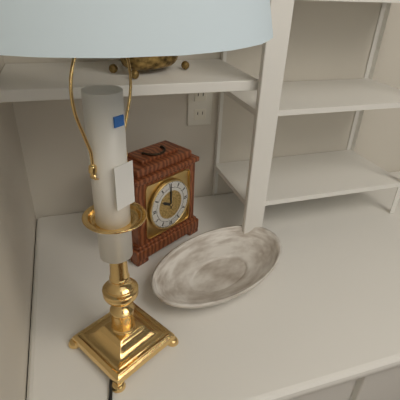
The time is **10:00**
